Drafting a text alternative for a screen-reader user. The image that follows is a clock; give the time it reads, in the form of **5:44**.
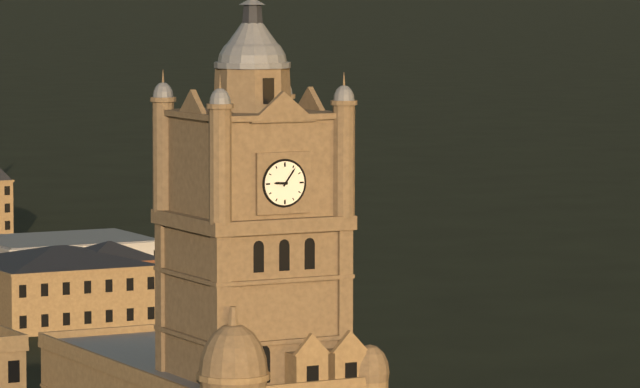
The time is **9:06**
